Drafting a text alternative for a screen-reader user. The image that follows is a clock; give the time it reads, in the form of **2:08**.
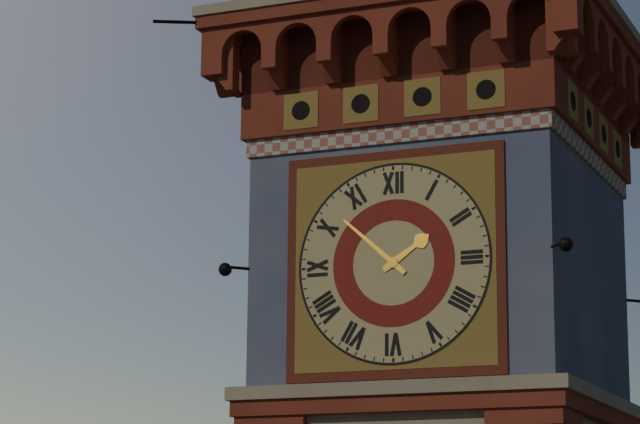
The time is **1:52**
